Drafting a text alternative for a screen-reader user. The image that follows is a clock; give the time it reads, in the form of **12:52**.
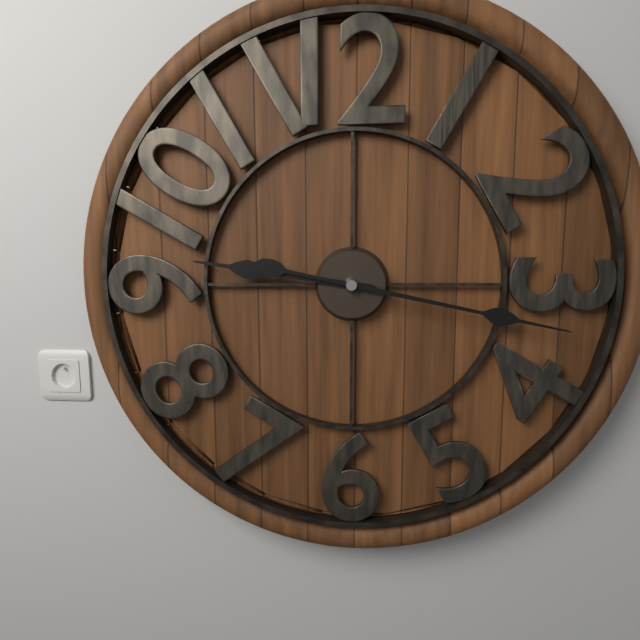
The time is **9:17**
